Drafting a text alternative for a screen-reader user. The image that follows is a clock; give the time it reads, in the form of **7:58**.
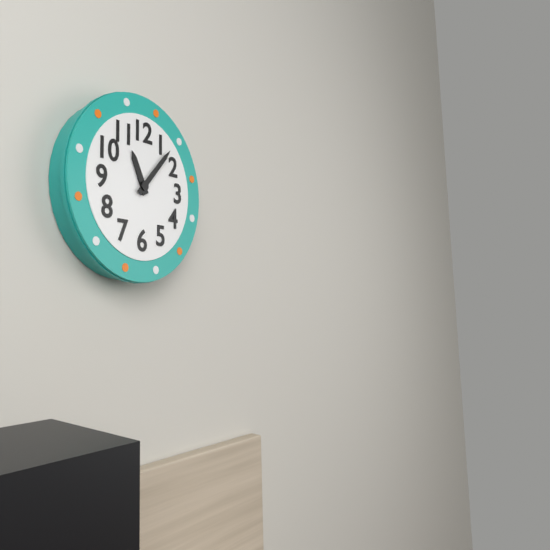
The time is **11:07**
